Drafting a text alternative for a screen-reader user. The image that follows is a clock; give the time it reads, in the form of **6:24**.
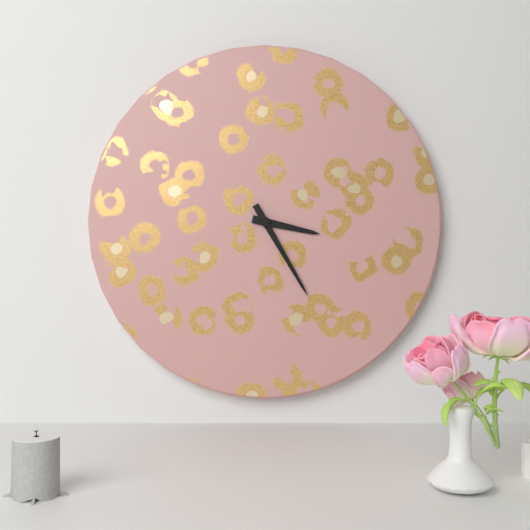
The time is **3:25**
